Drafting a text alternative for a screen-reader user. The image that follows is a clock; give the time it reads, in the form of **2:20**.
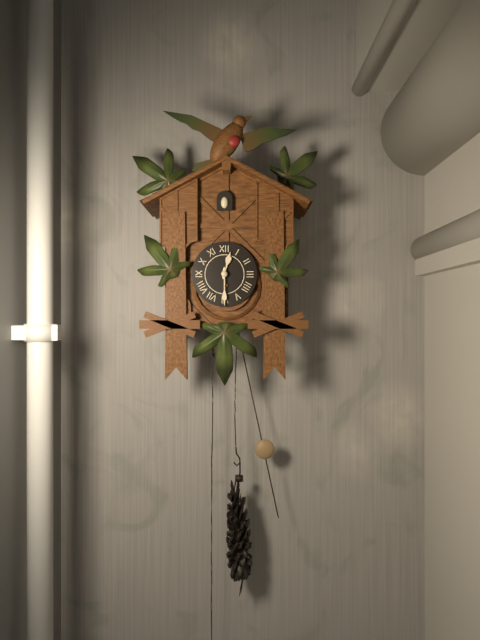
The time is **12:30**
